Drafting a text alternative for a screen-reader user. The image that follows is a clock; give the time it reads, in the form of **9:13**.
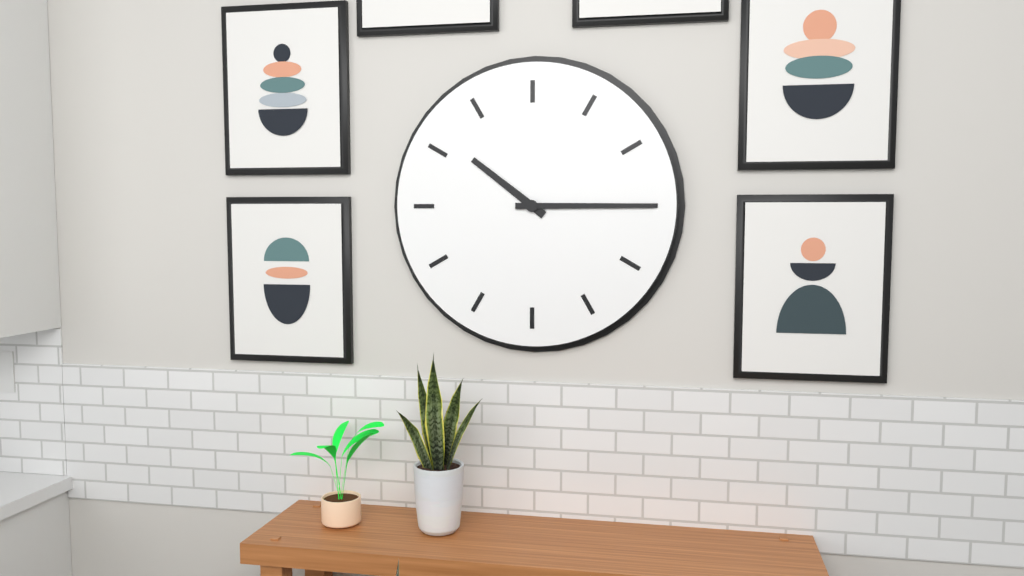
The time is **10:15**
